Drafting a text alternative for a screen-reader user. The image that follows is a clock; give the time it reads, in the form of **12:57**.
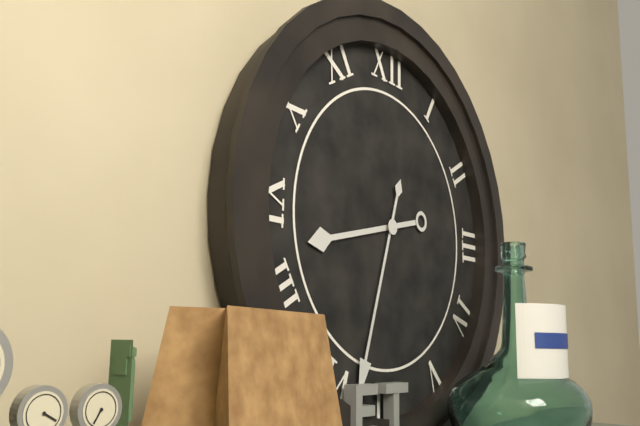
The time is **8:33**
